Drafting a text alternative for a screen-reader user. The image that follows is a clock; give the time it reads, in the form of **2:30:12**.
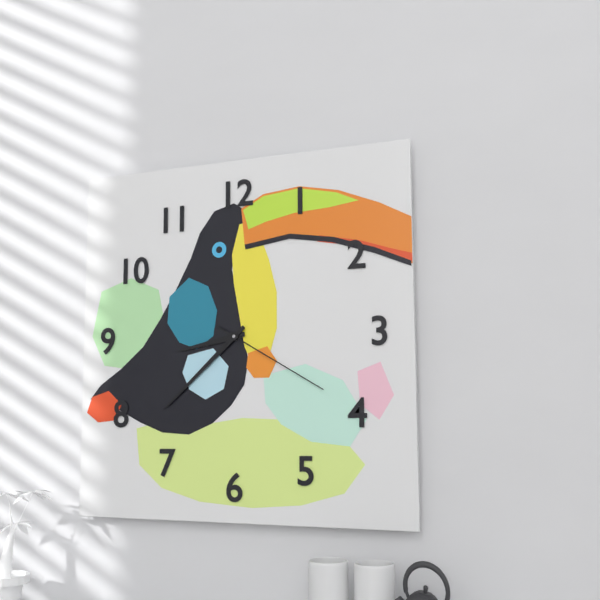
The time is **8:38:20**
